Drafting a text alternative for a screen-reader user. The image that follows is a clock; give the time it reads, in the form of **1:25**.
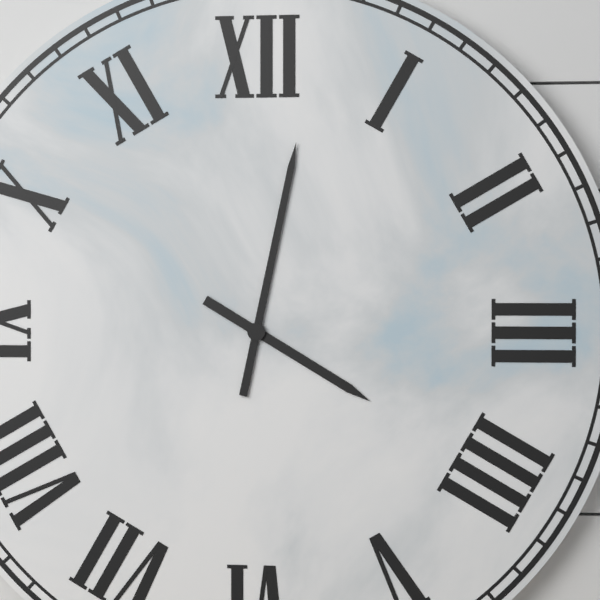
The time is **4:02**
